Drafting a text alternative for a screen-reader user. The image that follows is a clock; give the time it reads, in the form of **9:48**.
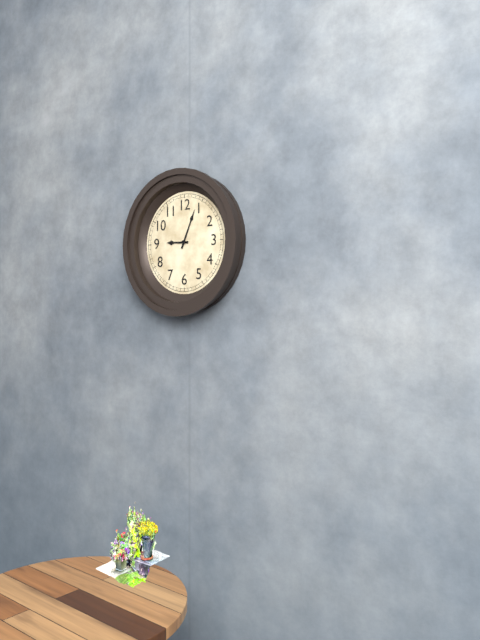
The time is **9:04**
